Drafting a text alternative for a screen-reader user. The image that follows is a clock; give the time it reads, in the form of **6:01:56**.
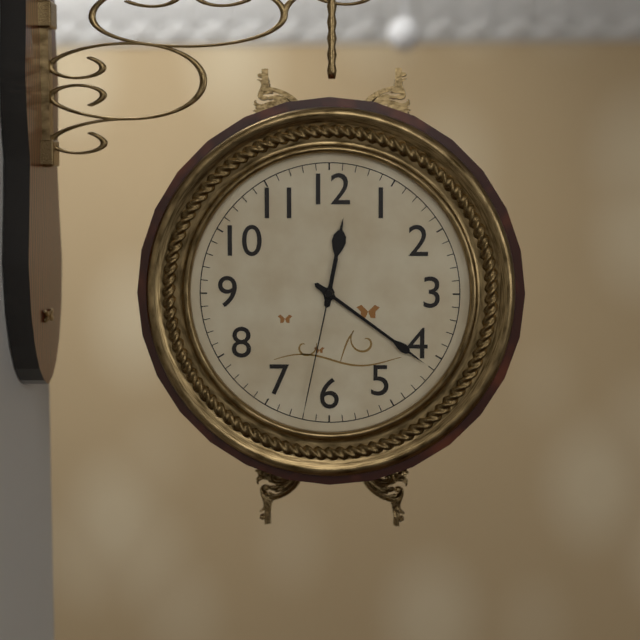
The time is **12:21:32**
